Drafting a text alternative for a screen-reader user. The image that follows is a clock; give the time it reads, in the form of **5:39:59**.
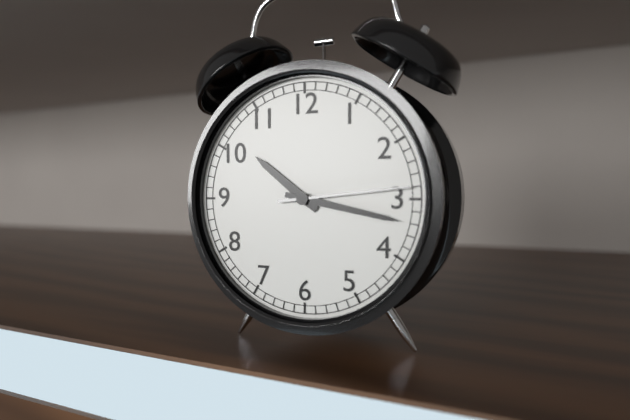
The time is **10:17:14**
